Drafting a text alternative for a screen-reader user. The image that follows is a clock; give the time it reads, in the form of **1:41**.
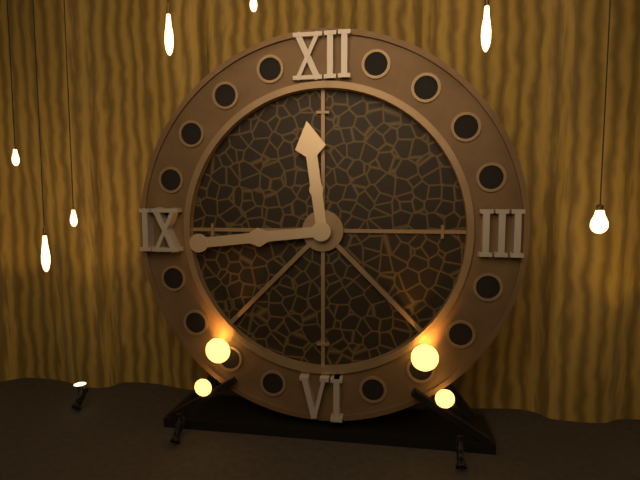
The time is **11:44**
